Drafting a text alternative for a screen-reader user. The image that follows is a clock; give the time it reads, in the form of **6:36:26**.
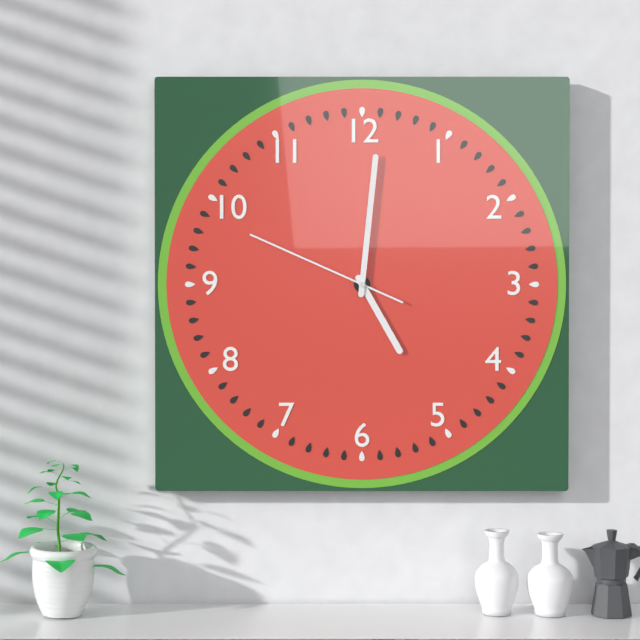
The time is **5:01:49**
